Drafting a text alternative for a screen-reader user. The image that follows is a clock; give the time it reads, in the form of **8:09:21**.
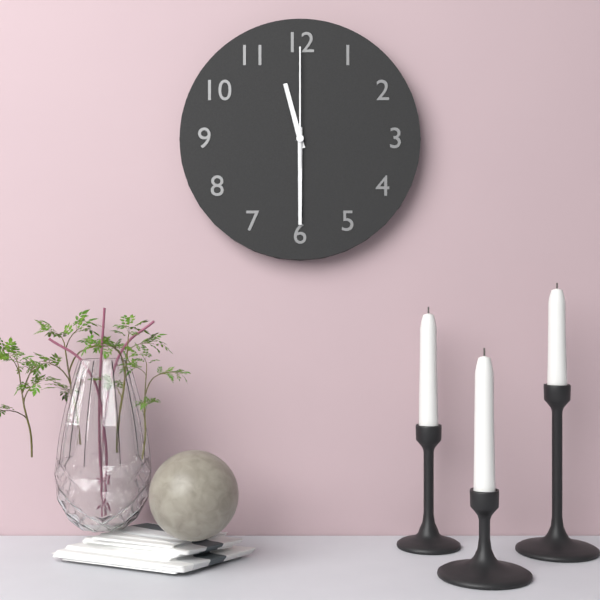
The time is **11:30:00**
